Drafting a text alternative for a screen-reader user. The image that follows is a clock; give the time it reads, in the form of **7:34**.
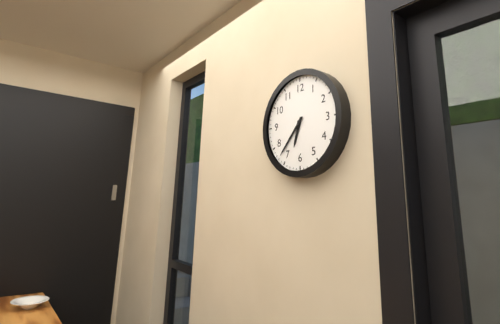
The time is **6:37**
